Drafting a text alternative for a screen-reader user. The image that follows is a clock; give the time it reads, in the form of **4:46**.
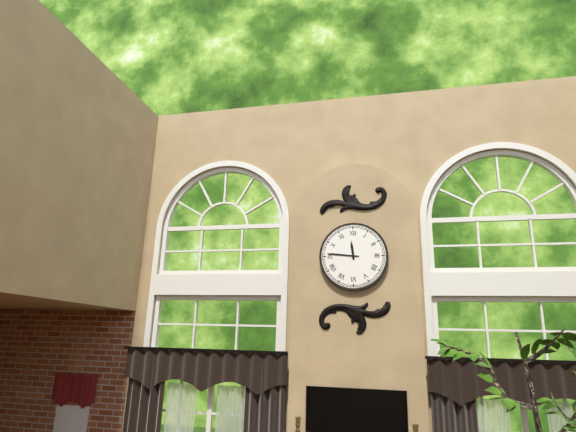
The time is **11:46**
